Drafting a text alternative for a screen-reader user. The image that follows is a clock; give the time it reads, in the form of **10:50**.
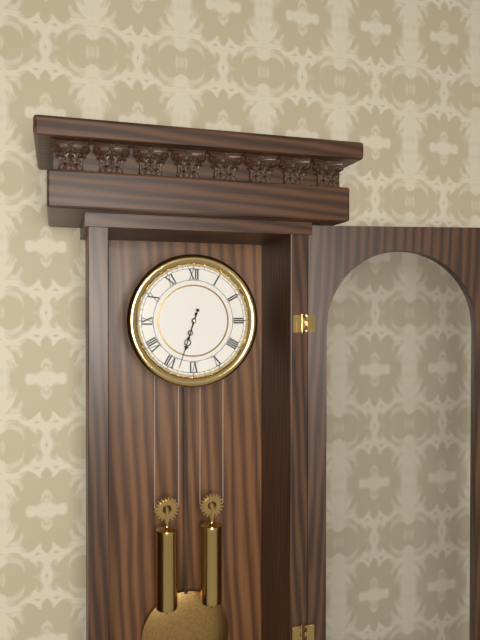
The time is **6:33**
